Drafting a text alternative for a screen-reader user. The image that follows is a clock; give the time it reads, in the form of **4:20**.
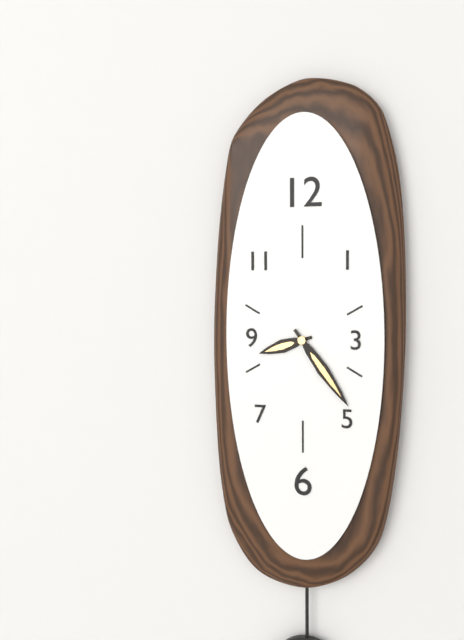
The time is **8:24**
